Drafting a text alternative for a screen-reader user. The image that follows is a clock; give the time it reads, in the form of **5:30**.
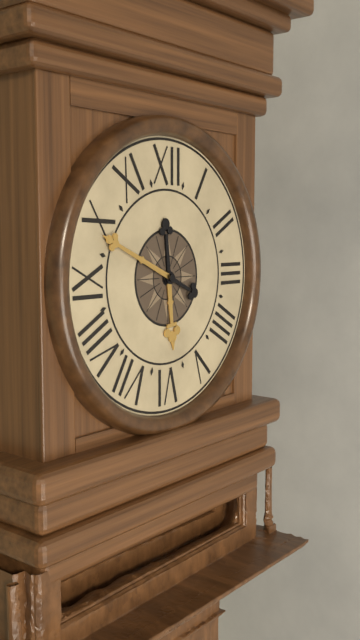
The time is **5:49**
